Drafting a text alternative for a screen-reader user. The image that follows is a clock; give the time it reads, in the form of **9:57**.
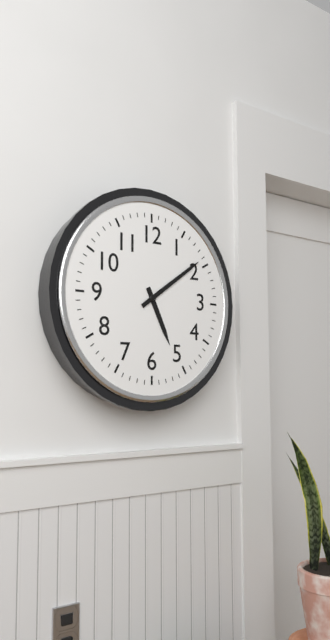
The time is **5:09**
